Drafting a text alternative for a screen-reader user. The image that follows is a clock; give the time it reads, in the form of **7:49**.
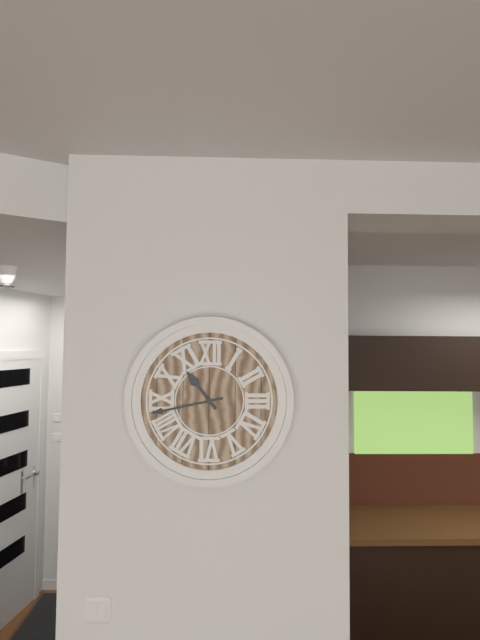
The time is **10:43**
